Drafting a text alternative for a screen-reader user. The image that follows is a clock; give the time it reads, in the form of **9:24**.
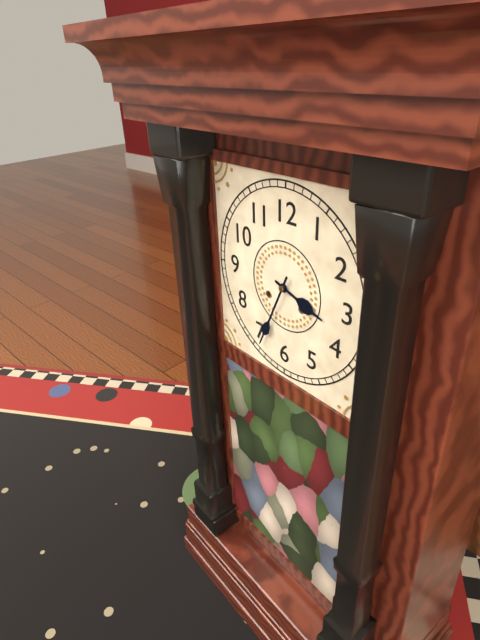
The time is **3:34**
